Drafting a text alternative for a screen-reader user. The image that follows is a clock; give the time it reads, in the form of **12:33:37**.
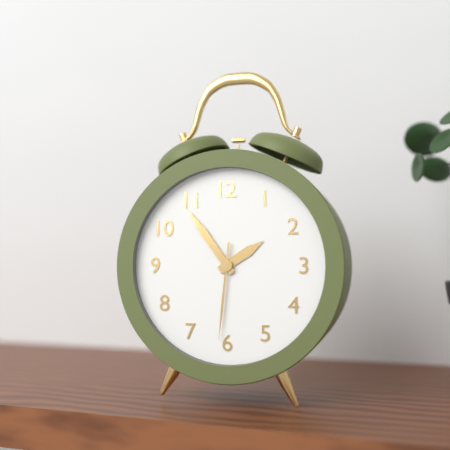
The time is **1:54:31**
